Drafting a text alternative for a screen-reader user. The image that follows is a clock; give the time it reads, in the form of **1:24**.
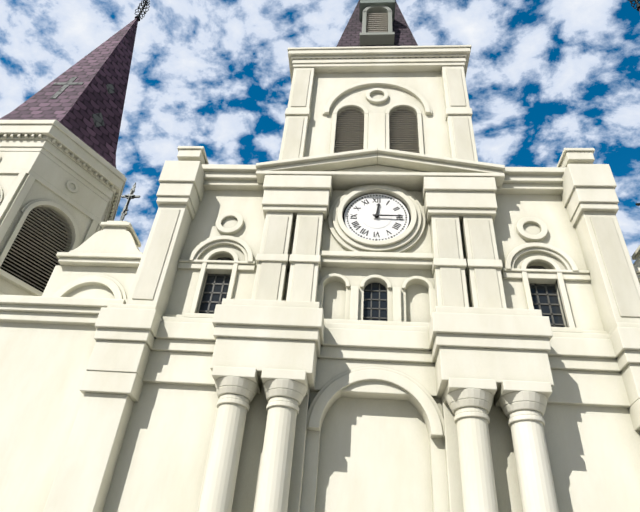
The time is **12:15**
